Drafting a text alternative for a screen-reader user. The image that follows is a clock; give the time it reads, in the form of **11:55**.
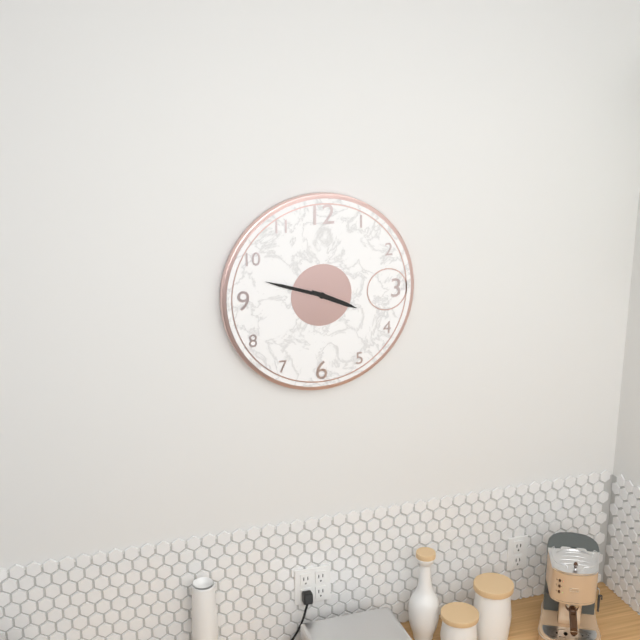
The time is **3:48**
